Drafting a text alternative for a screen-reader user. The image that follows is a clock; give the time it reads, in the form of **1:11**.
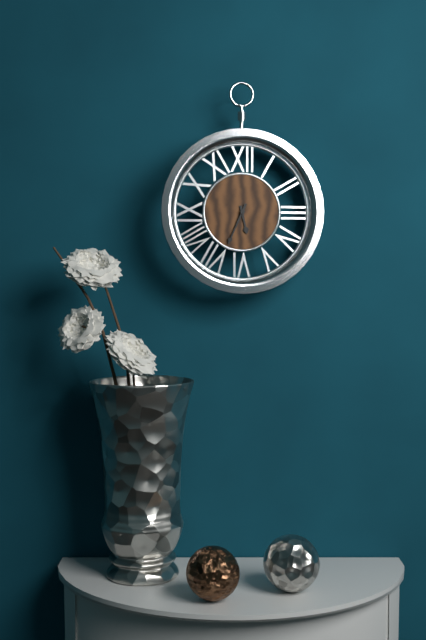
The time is **5:34**
